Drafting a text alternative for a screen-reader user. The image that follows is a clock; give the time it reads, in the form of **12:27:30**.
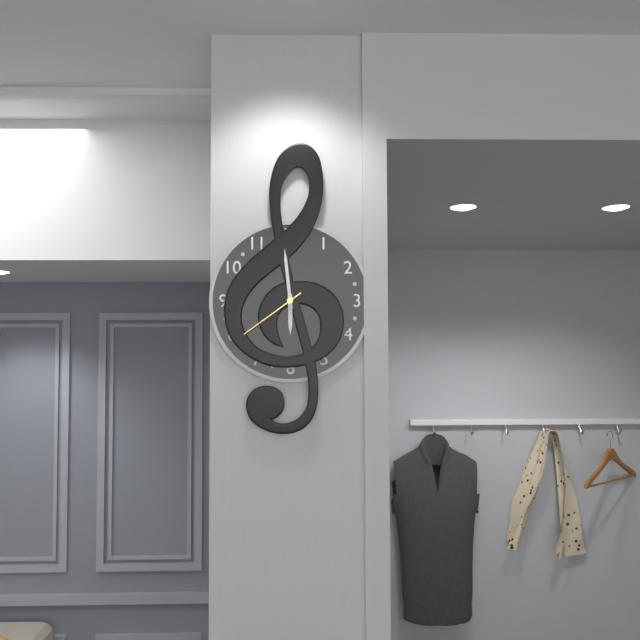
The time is **5:59:39**
